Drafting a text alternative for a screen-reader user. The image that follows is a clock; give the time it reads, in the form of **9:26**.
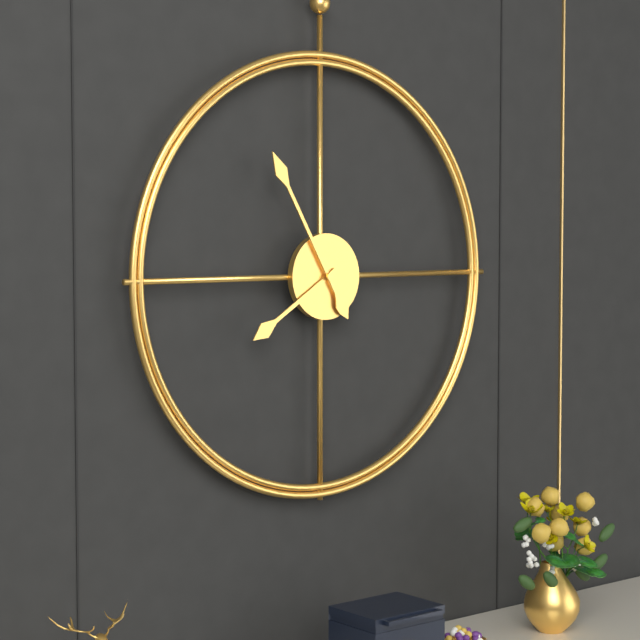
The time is **7:55**
